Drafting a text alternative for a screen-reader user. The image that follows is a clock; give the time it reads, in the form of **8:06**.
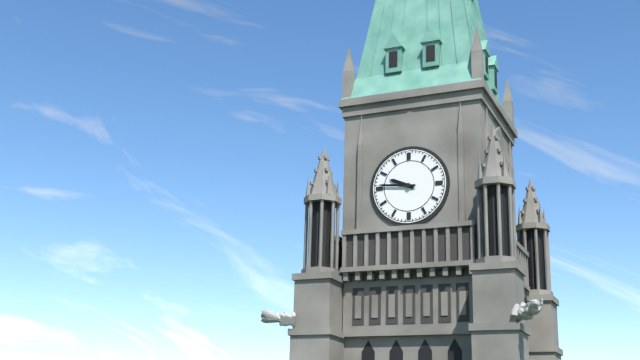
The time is **9:46**
